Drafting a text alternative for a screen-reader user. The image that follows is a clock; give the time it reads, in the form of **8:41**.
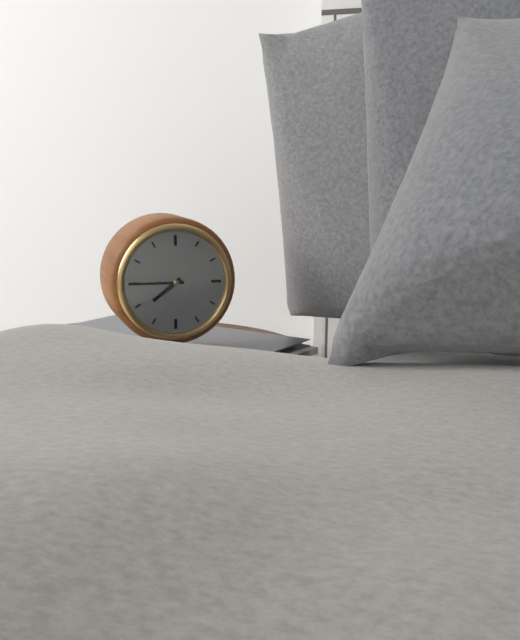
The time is **7:45**
